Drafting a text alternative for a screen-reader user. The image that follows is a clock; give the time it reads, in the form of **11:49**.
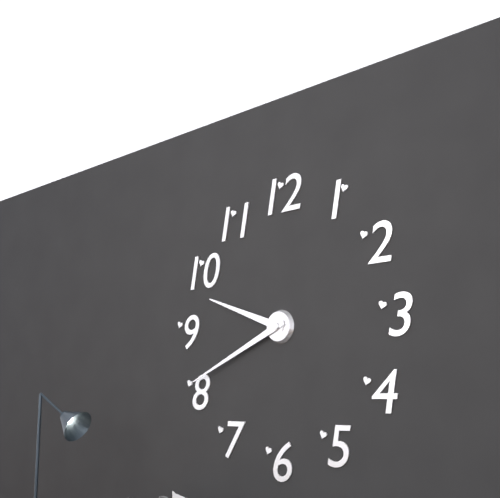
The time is **9:41**
